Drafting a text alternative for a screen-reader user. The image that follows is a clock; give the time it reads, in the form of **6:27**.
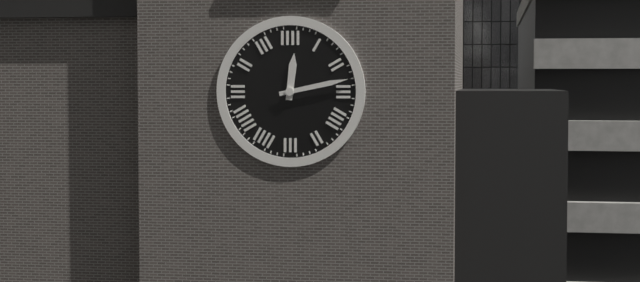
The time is **12:13**
